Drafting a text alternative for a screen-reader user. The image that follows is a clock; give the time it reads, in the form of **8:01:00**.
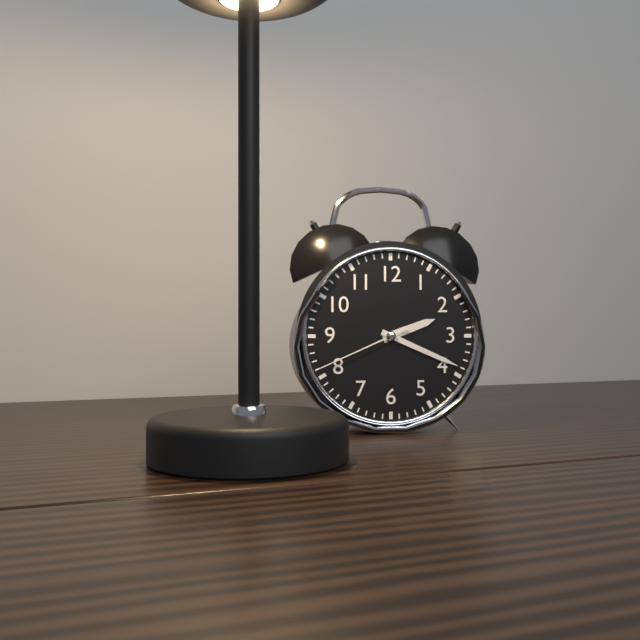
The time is **2:19:41**
